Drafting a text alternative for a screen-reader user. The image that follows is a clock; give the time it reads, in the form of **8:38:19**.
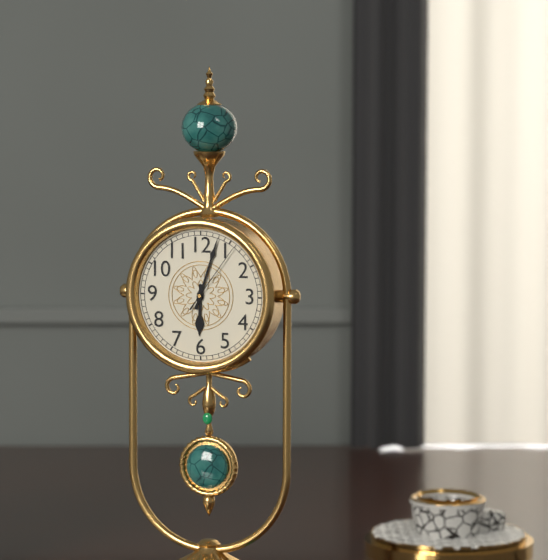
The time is **6:03:06**
